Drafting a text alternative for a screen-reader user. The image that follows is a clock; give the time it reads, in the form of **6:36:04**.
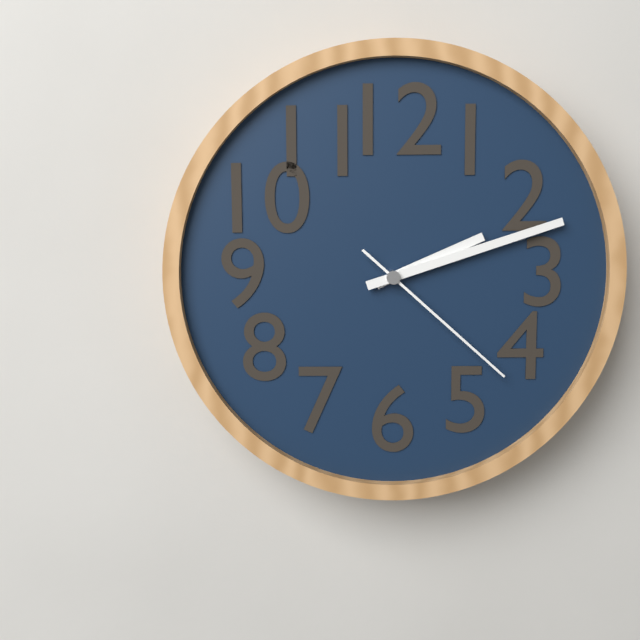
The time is **2:12:22**
